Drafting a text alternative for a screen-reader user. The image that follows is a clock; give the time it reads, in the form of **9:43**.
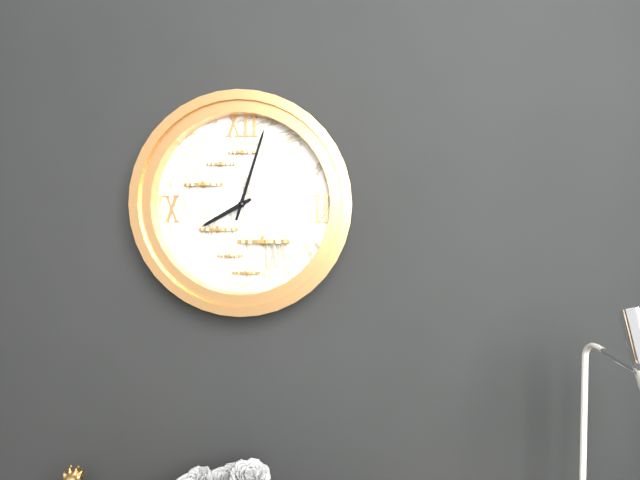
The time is **8:03**
